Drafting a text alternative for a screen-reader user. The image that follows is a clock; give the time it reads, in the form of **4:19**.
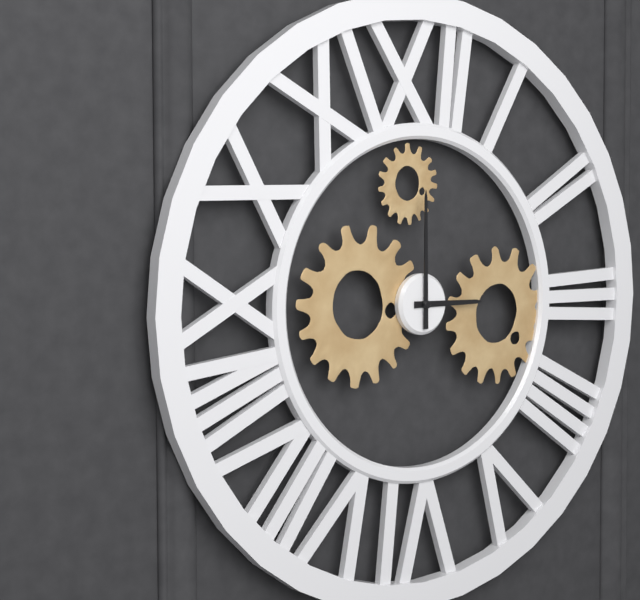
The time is **3:00**
